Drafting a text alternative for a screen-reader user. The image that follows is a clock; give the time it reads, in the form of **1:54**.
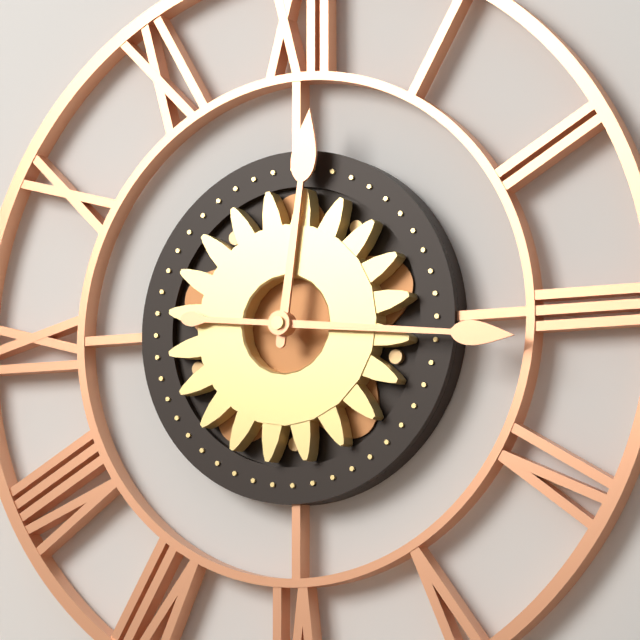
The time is **12:16**
